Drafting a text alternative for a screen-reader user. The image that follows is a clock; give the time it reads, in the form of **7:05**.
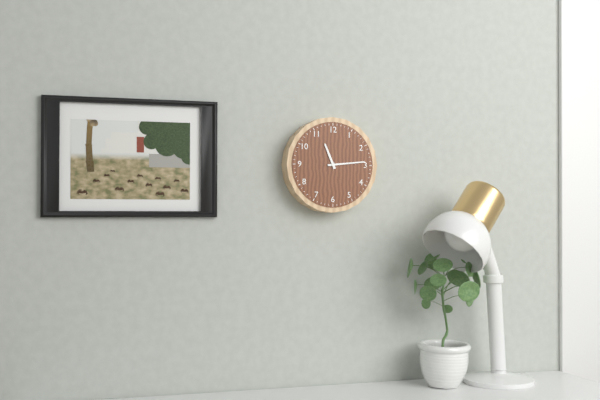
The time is **11:14**
